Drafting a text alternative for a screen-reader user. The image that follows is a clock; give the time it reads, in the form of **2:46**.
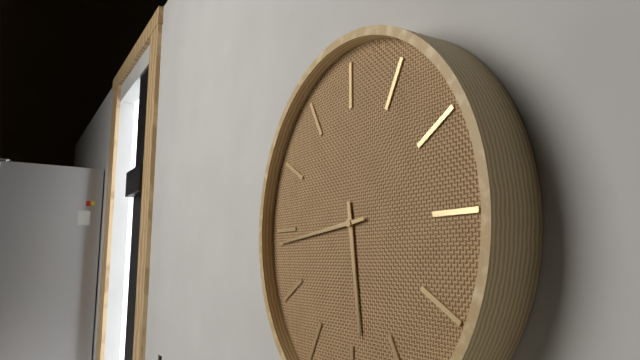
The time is **5:44**
